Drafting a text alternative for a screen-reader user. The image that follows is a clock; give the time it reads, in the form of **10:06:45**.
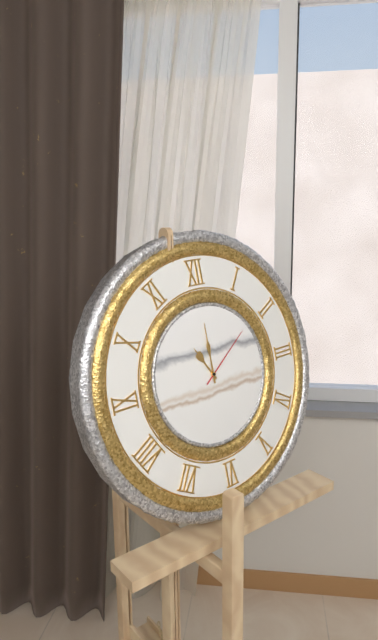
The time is **11:00:09**
